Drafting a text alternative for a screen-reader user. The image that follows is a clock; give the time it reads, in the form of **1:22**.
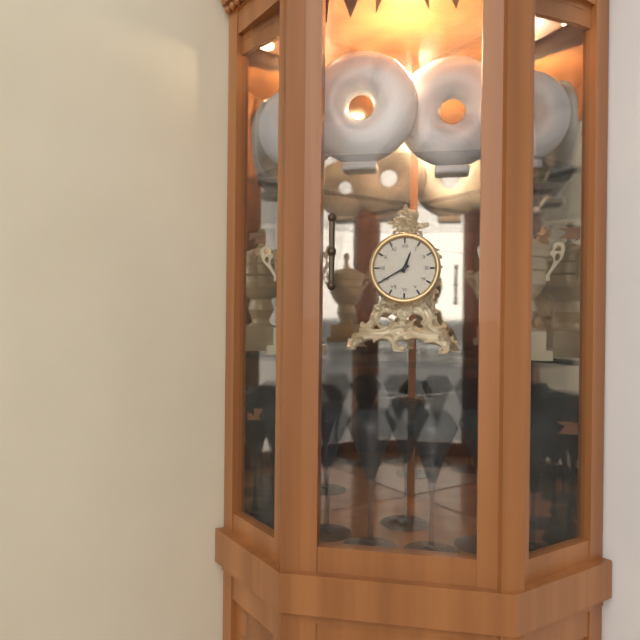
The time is **12:40**
